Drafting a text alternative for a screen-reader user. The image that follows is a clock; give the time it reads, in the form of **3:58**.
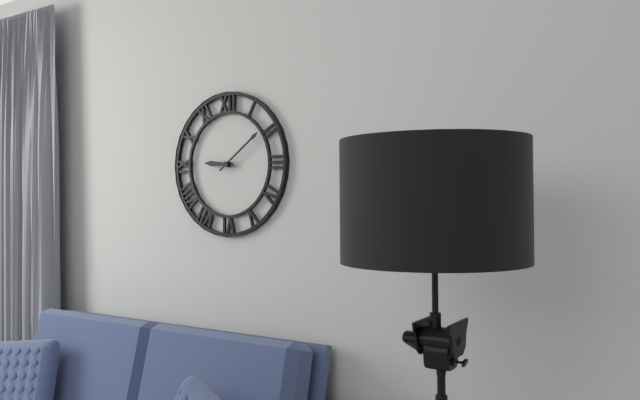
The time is **9:09**
